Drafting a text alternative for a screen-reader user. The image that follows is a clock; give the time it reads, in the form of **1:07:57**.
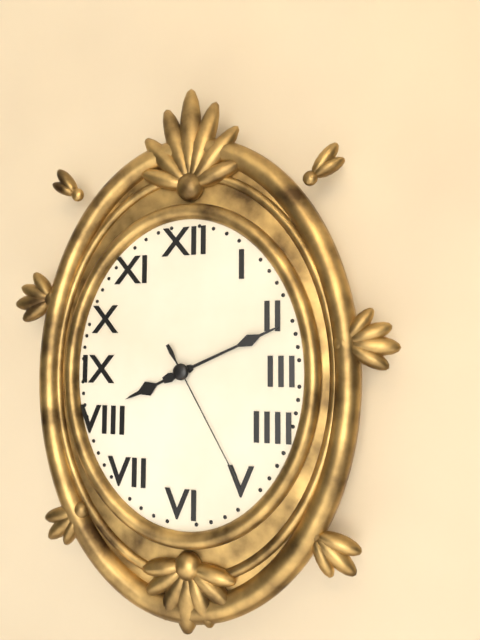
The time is **8:11:25**
